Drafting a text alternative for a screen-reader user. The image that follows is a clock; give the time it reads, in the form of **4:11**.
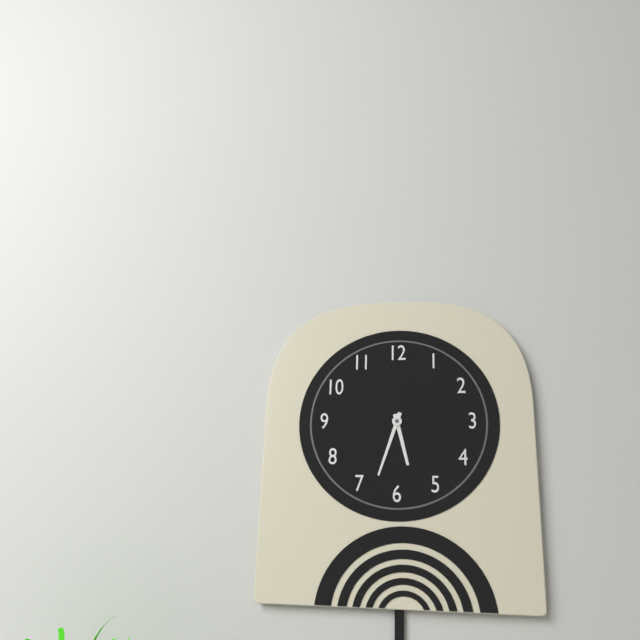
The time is **5:33**
